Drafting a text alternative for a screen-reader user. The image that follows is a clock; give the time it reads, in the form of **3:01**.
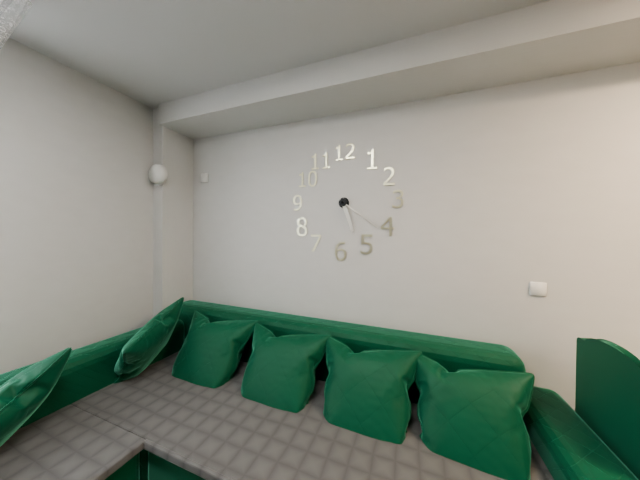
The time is **5:21**
